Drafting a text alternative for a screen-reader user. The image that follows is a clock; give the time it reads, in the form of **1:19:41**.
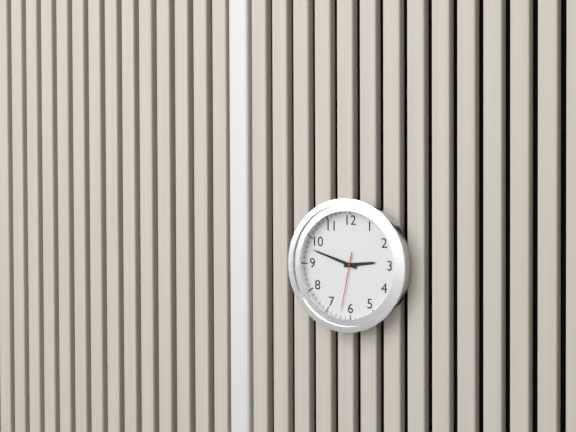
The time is **2:48:32**
